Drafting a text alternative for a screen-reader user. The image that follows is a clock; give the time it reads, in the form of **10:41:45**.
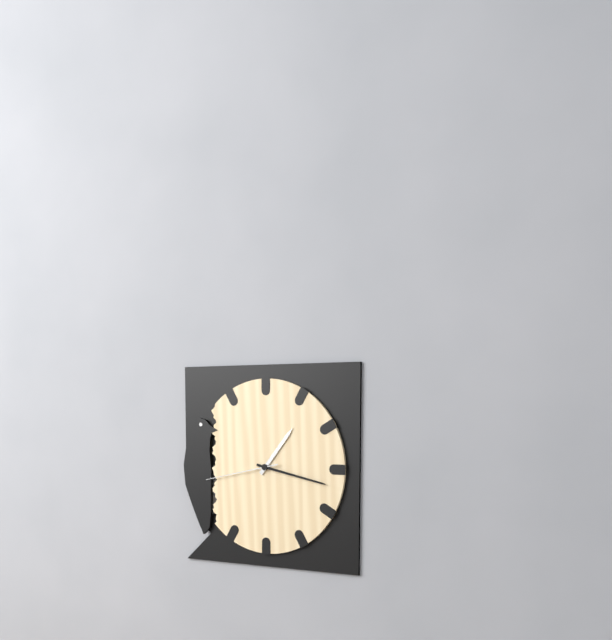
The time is **1:17:43**
